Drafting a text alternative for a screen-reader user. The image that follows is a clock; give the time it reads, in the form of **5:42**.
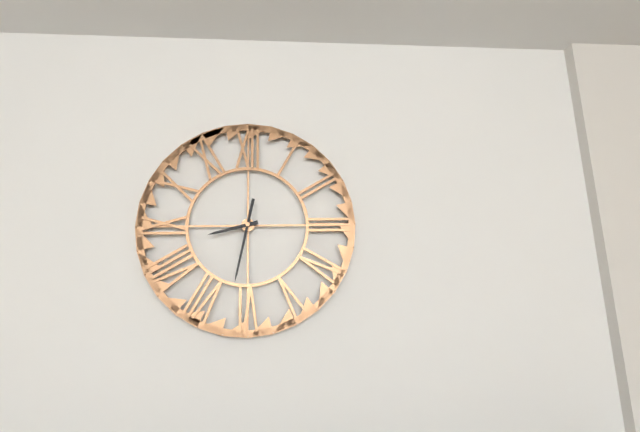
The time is **8:32**
